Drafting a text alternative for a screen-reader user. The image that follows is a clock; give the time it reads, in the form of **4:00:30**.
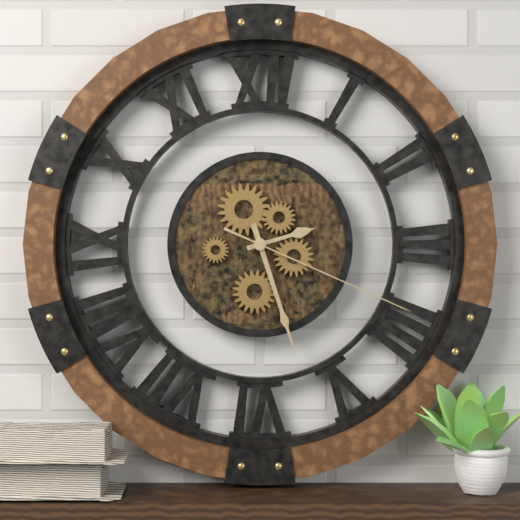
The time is **2:27:19**
